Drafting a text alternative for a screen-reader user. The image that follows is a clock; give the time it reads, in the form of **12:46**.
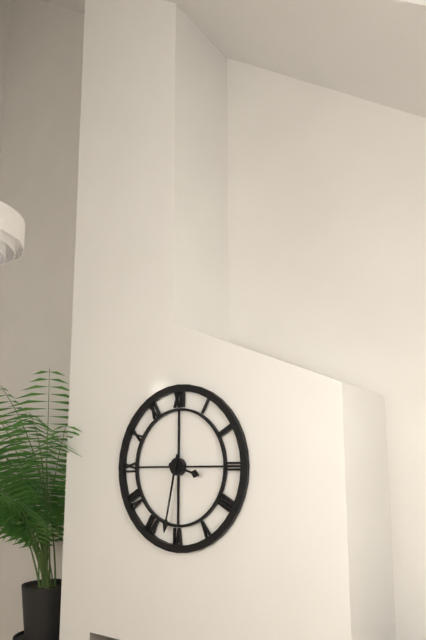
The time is **3:32**
